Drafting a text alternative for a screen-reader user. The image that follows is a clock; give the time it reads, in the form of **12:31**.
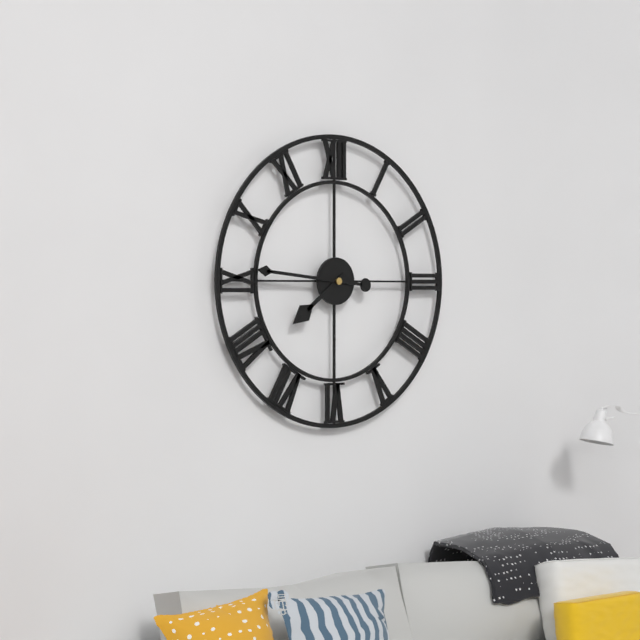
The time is **7:46**
